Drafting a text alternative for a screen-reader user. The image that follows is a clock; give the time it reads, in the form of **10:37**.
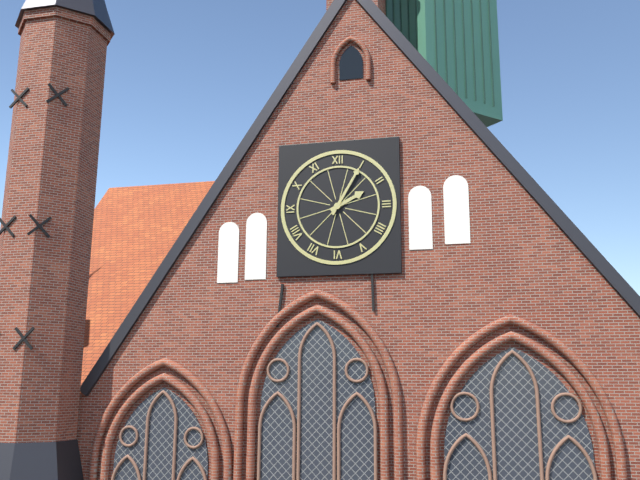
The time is **2:05**
